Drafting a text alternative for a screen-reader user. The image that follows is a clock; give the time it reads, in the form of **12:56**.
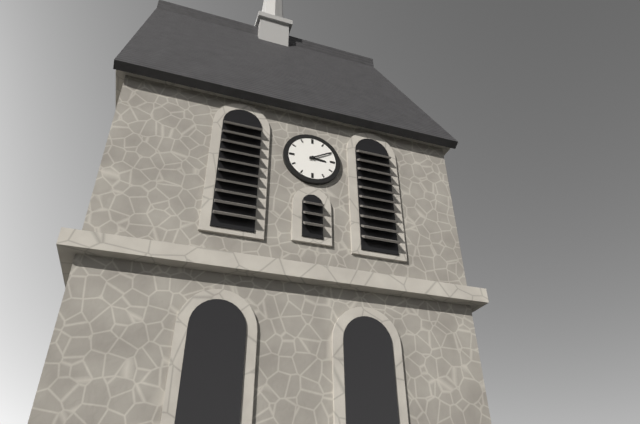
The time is **3:10**
